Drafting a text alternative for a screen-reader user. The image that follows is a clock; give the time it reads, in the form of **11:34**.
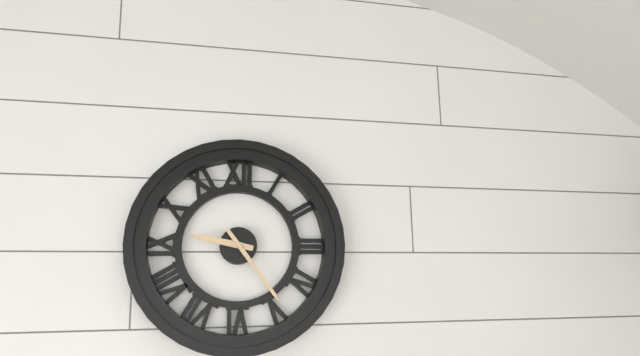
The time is **9:24**
